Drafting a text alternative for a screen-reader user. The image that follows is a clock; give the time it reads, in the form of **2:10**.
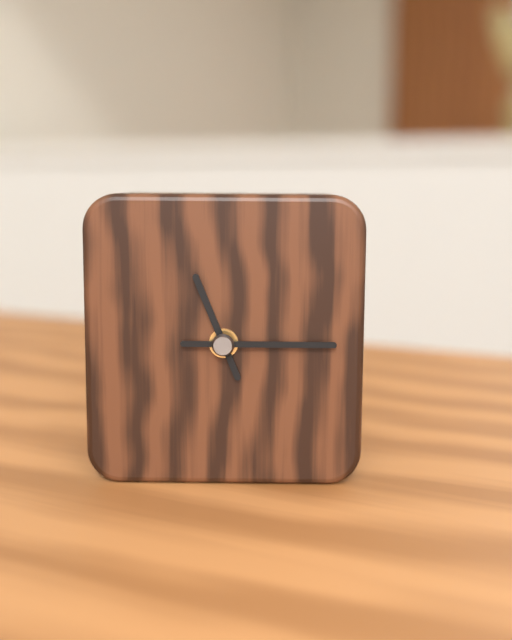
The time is **11:15**
